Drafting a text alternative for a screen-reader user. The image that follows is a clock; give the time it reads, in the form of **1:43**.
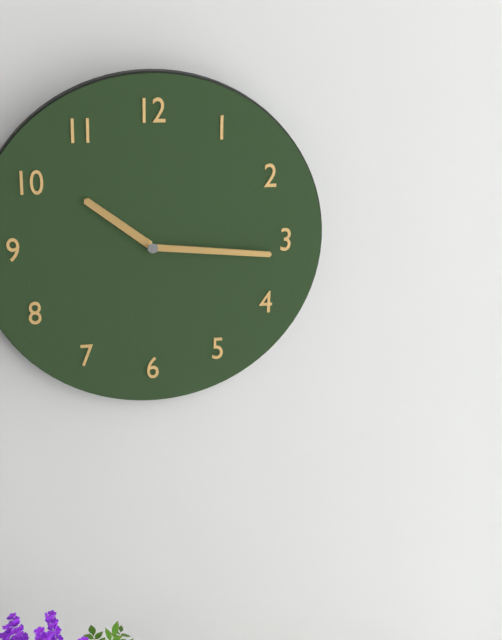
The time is **10:16**
